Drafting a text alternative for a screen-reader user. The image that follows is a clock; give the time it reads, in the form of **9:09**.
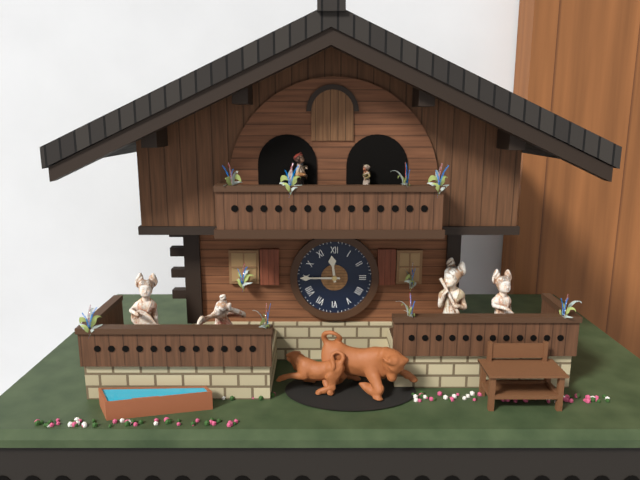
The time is **11:45**
